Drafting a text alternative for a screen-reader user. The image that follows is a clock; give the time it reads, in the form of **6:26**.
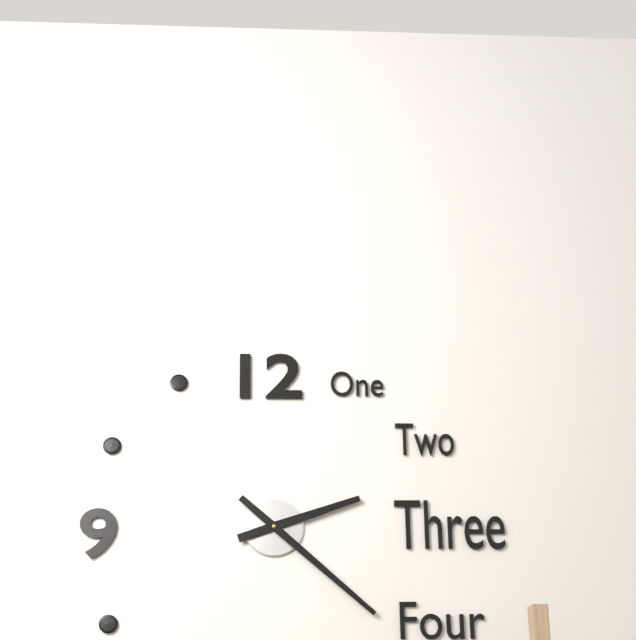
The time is **2:22**
